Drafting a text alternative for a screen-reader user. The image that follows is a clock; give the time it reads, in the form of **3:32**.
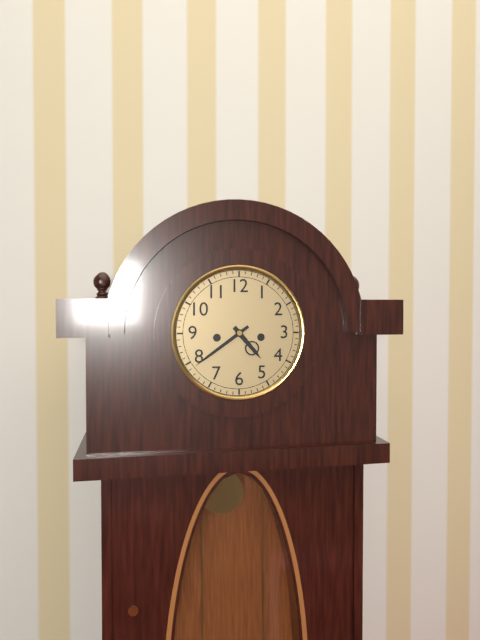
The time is **4:39**
